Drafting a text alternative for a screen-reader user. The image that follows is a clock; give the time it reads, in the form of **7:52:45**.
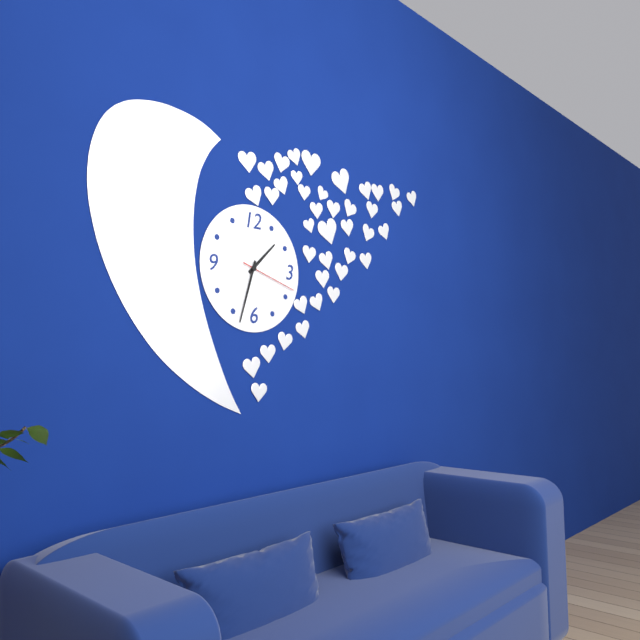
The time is **1:33:18**
